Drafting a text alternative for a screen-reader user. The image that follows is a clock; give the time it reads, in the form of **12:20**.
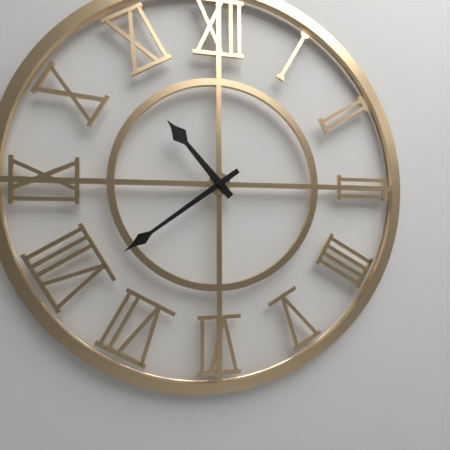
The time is **10:39**
